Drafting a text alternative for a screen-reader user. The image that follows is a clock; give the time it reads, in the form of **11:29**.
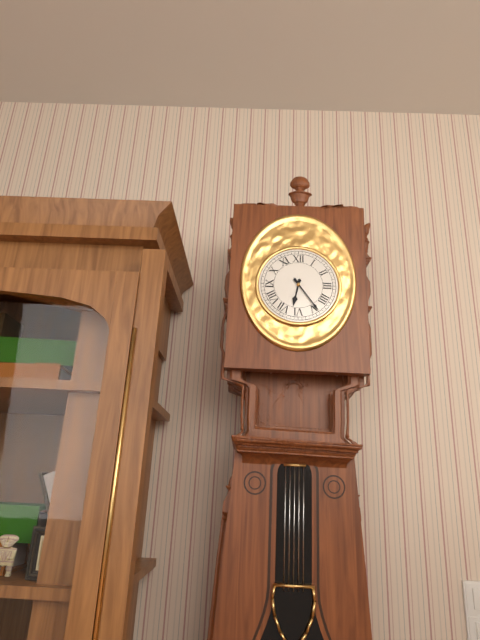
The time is **6:24**
